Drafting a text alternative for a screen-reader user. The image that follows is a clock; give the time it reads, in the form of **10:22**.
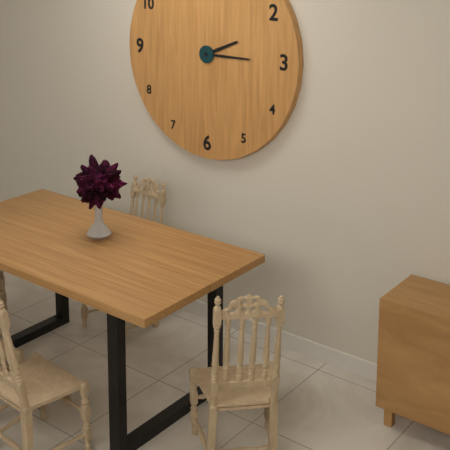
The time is **2:15**
